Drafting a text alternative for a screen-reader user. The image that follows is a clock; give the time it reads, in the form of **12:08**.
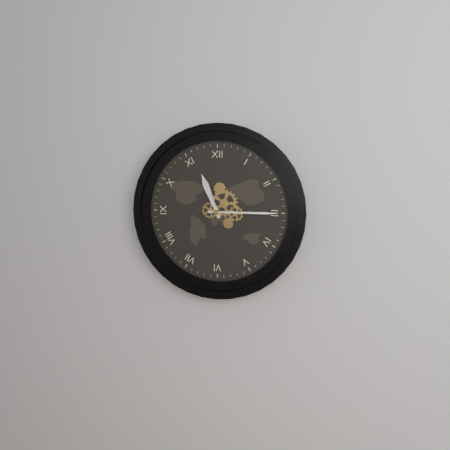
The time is **11:15**
